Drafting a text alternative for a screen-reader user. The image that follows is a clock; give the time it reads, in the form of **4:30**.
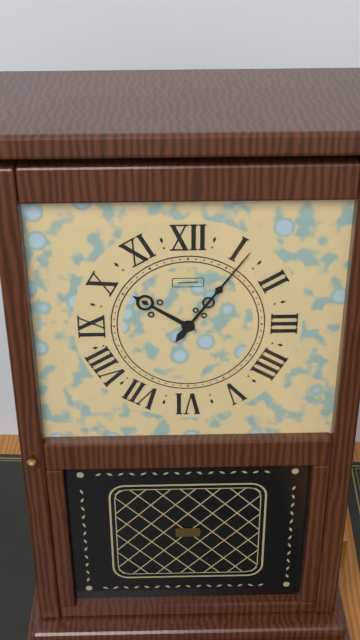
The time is **10:06**
